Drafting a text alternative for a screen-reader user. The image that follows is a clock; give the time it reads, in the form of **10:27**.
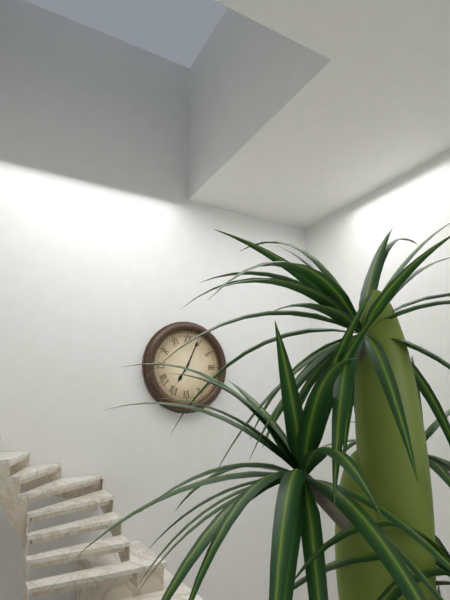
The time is **7:04**
